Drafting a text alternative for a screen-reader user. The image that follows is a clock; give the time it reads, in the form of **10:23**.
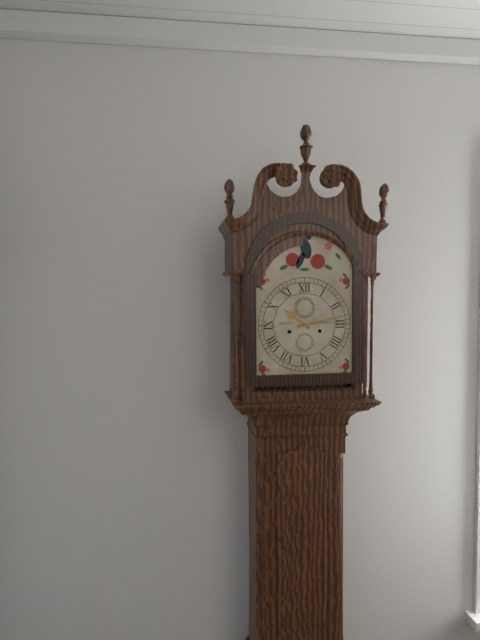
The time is **10:13**
